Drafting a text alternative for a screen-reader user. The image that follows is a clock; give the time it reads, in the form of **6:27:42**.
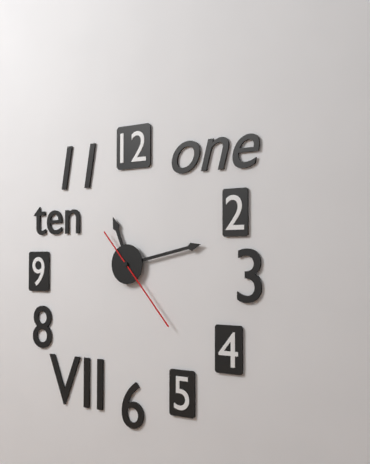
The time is **11:13:23**
